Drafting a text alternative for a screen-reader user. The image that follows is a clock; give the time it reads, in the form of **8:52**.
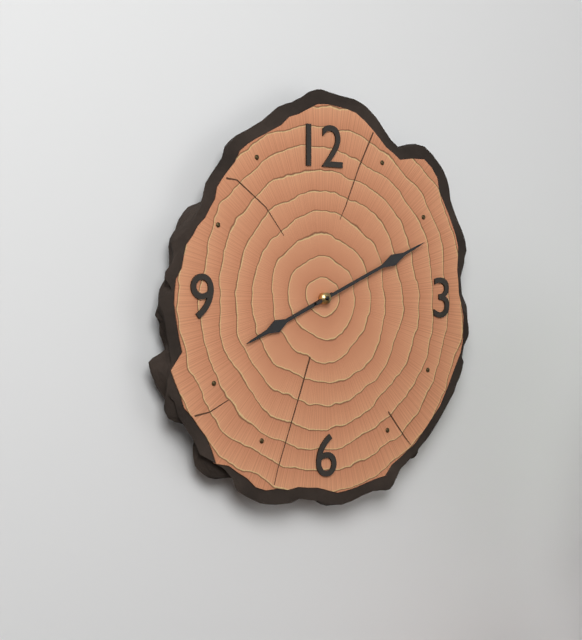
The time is **8:11**
